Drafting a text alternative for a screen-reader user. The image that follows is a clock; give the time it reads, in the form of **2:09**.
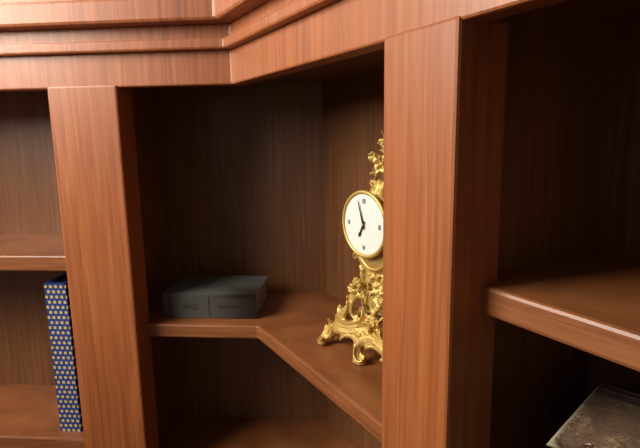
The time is **6:57**
